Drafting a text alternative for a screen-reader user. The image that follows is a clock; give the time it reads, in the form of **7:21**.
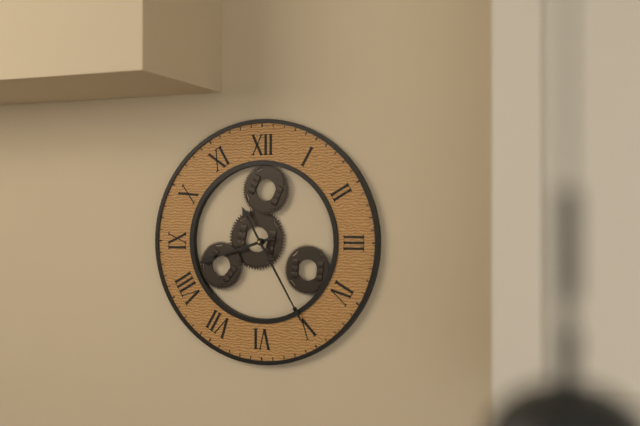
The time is **8:25**
